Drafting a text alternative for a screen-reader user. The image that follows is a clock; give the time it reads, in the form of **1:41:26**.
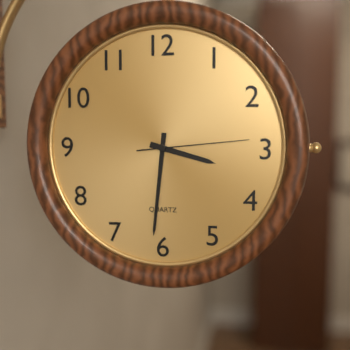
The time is **3:31:14**
